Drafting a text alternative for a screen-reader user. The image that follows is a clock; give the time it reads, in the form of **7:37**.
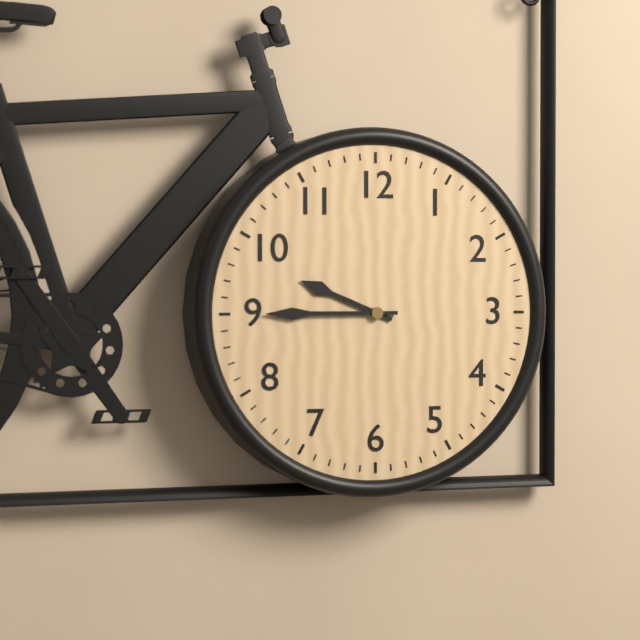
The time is **9:45**
